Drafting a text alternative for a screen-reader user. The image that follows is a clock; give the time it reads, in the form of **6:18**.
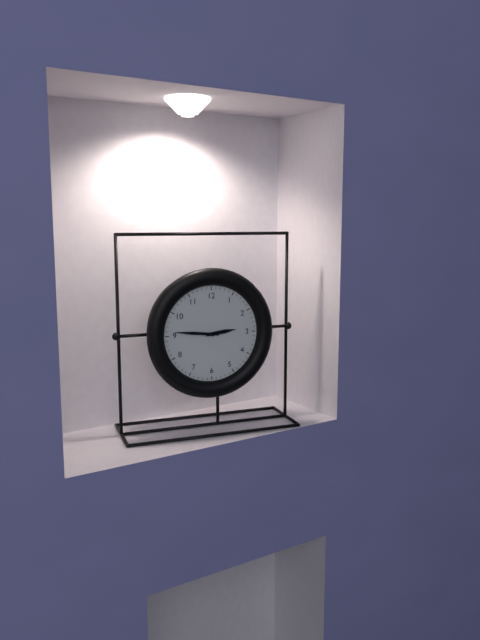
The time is **2:46**
